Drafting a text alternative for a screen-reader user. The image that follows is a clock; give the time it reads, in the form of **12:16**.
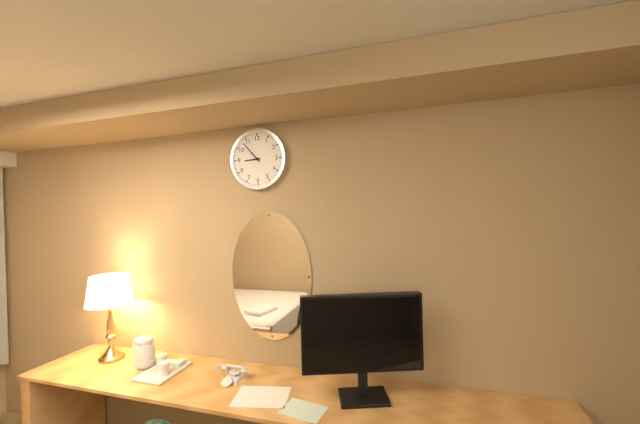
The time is **8:53**
